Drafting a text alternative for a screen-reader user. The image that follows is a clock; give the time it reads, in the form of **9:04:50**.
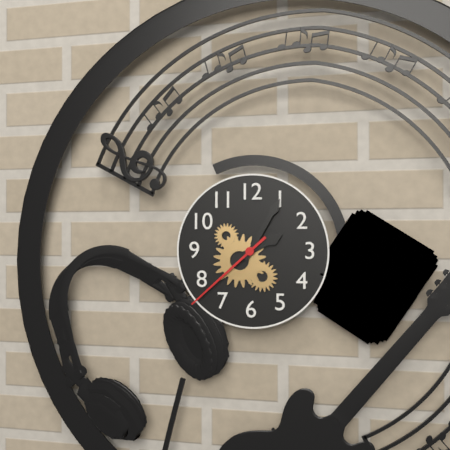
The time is **2:05:38**
